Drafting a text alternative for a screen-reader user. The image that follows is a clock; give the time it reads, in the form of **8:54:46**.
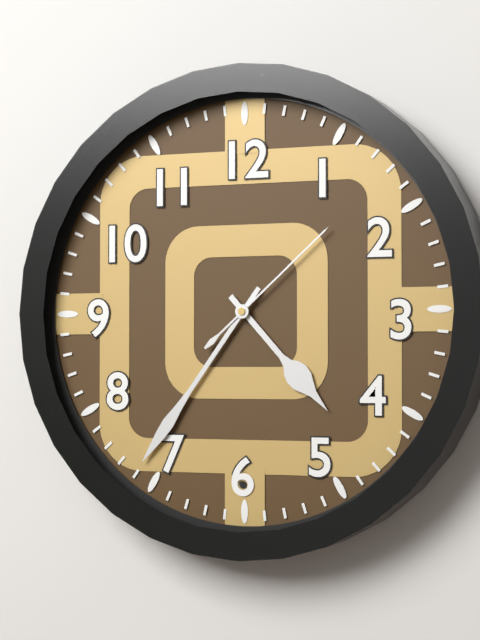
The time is **4:36:08**
